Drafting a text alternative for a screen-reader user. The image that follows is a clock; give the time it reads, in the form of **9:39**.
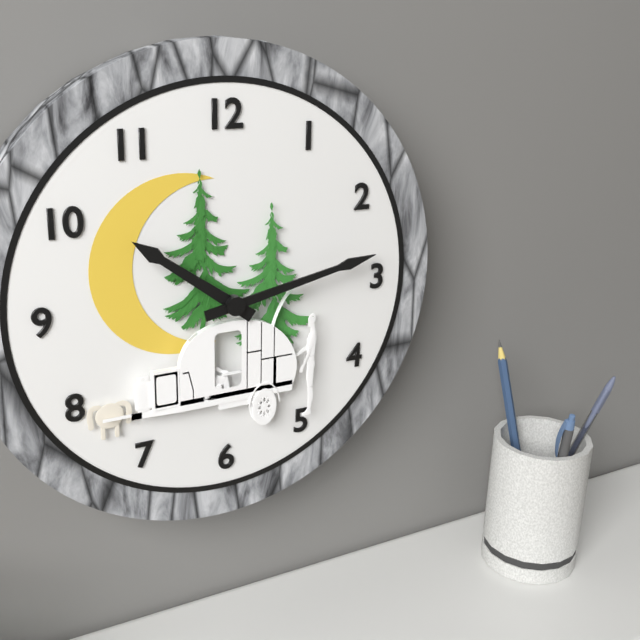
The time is **10:13**
